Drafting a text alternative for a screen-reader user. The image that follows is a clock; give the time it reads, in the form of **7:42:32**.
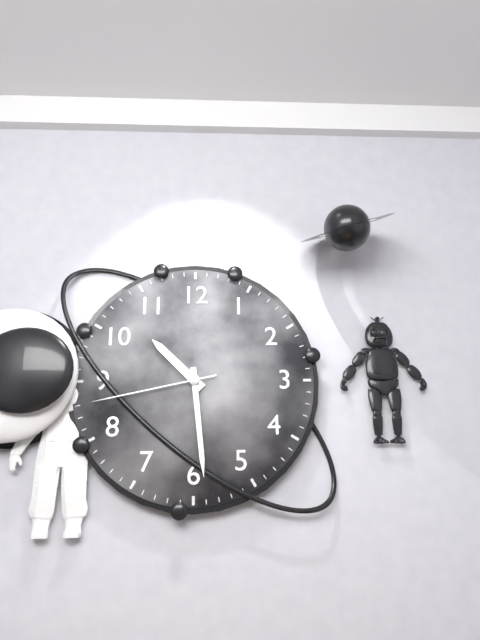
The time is **10:29:43**
